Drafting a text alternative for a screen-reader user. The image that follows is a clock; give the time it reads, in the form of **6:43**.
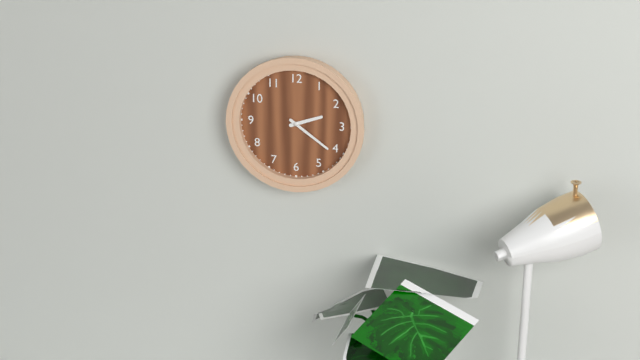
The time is **2:21**
